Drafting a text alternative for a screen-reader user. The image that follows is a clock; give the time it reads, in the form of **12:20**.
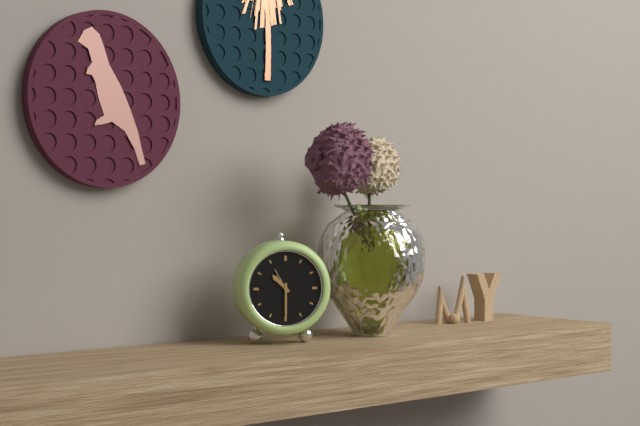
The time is **10:30**
